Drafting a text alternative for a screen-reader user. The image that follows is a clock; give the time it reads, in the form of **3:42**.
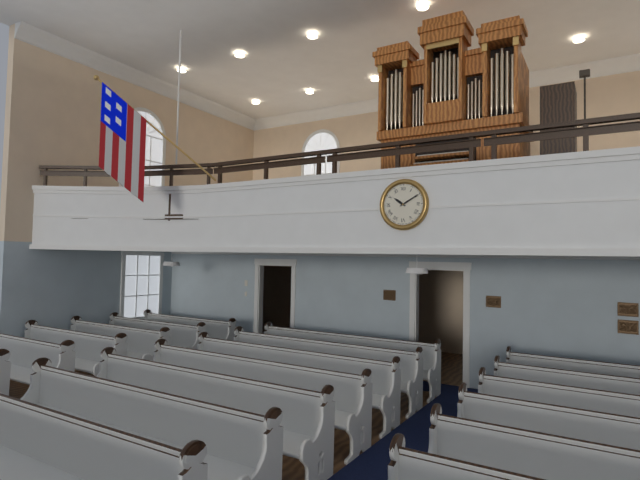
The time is **10:10**
